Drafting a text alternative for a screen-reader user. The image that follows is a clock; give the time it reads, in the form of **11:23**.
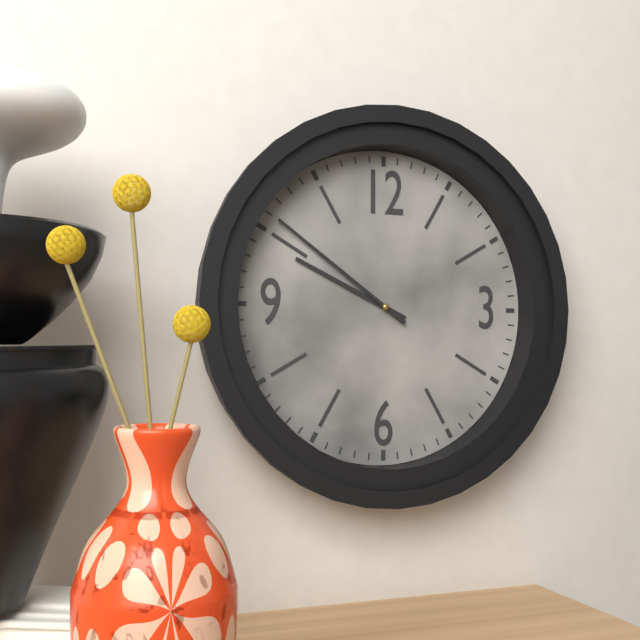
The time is **9:51**
